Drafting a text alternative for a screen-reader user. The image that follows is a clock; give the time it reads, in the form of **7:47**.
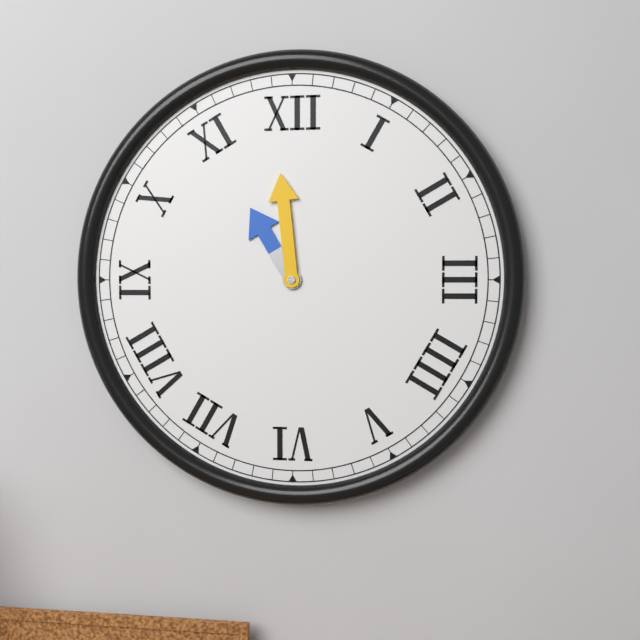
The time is **10:59**
